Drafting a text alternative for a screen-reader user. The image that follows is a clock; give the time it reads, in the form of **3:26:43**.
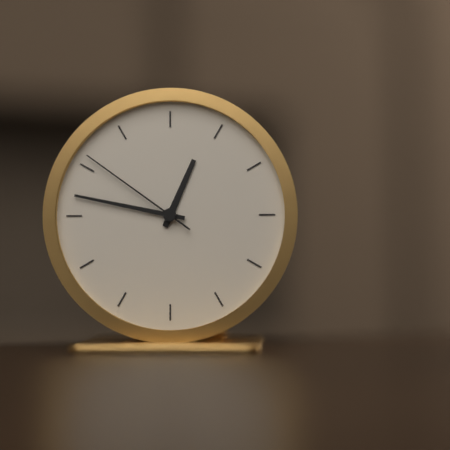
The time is **12:47:51**
